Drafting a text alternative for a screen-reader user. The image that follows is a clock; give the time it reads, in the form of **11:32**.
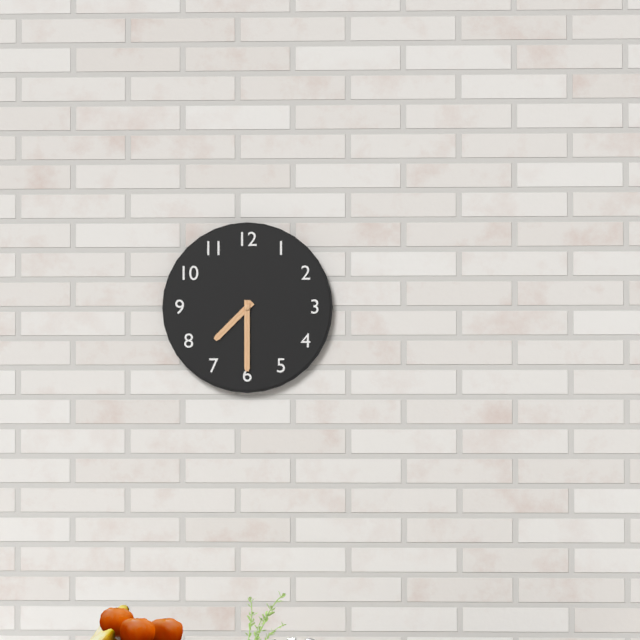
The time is **7:30**
